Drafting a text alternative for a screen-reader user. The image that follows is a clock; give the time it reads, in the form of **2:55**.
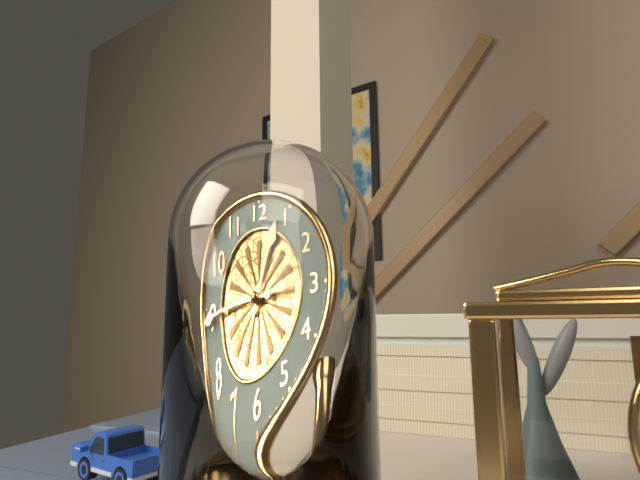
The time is **12:45**
